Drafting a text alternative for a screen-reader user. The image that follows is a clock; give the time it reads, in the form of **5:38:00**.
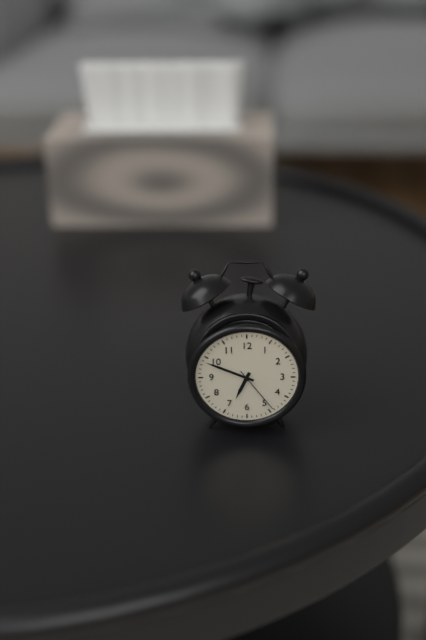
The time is **6:49:24**
